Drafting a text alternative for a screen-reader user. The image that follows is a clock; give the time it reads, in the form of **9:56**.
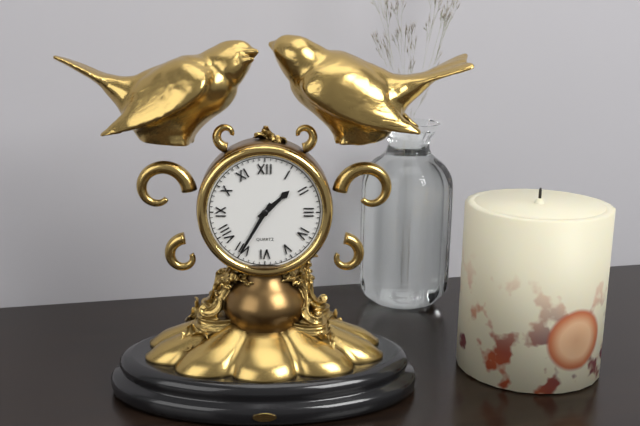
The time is **1:35**
